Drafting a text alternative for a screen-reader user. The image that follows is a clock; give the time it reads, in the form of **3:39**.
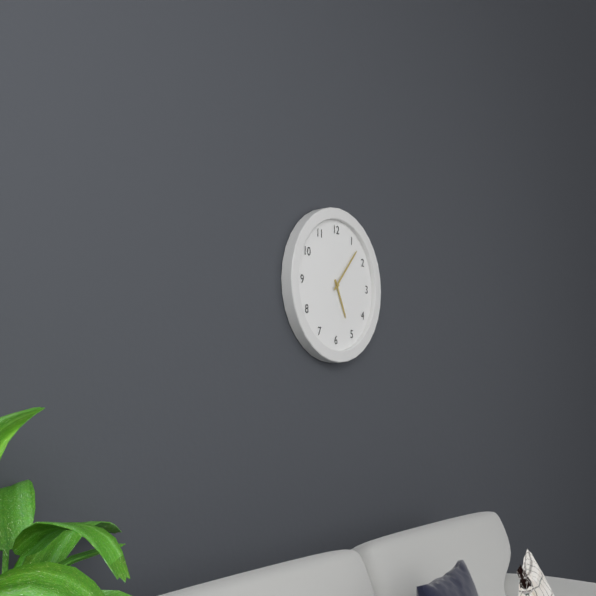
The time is **5:07**
